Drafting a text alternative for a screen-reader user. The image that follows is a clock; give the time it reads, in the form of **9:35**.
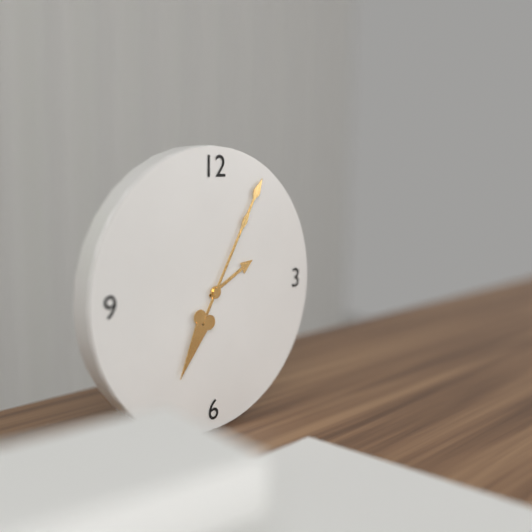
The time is **2:05**
